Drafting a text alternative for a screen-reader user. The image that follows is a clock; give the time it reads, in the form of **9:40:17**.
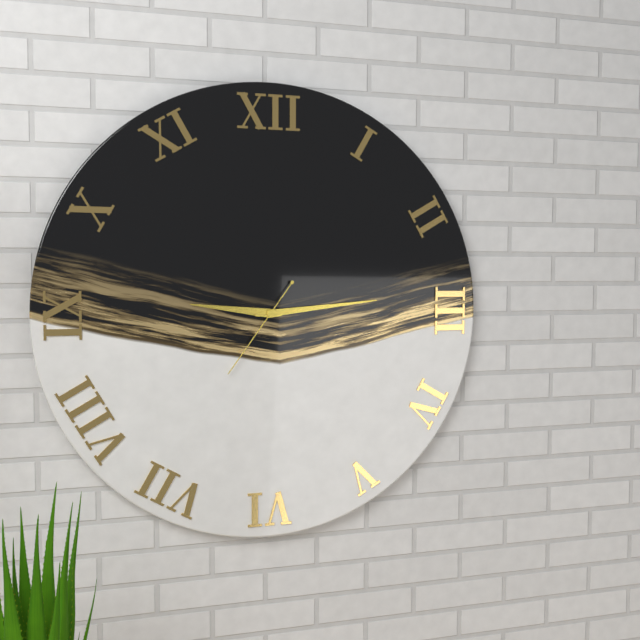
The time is **9:14:36**
